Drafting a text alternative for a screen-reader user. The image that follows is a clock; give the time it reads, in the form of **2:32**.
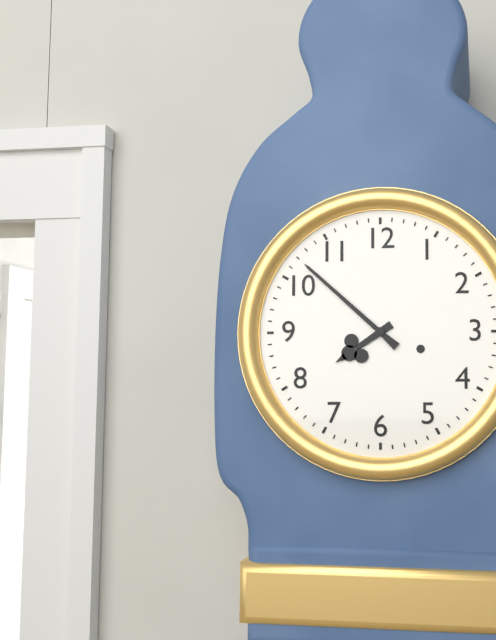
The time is **7:52**
